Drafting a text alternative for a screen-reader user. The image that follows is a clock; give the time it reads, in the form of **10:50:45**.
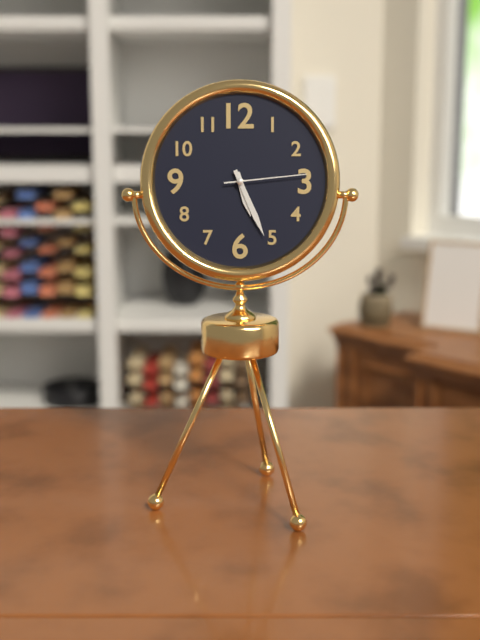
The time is **5:26:14**
